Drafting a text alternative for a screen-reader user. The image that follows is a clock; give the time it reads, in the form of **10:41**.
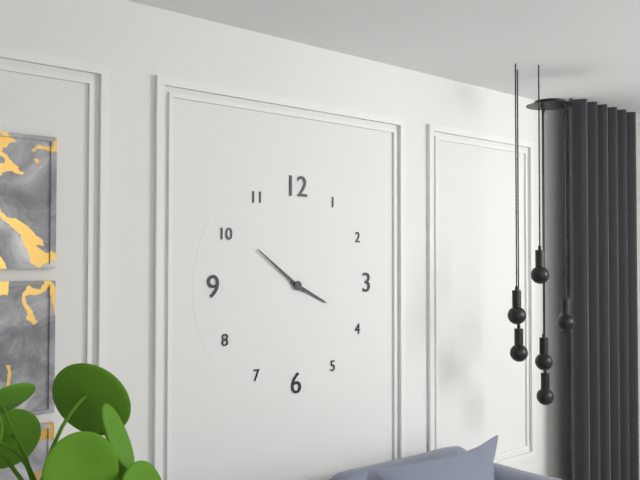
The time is **3:51**
